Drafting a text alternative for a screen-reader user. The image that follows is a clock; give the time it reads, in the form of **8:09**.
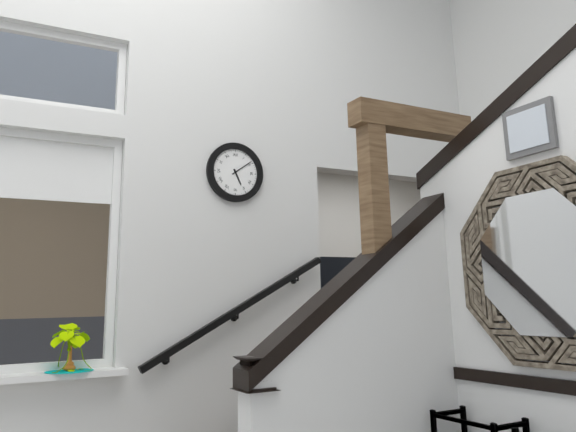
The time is **5:09**
